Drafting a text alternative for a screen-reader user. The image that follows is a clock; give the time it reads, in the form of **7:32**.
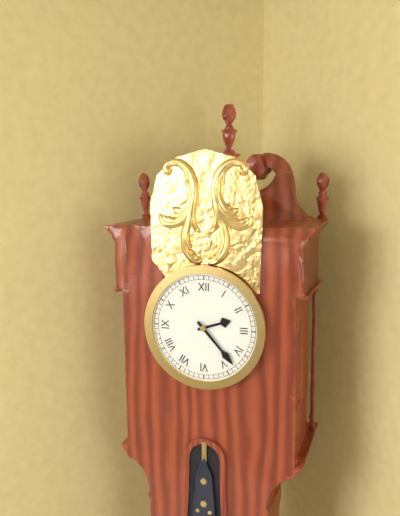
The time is **2:23**
